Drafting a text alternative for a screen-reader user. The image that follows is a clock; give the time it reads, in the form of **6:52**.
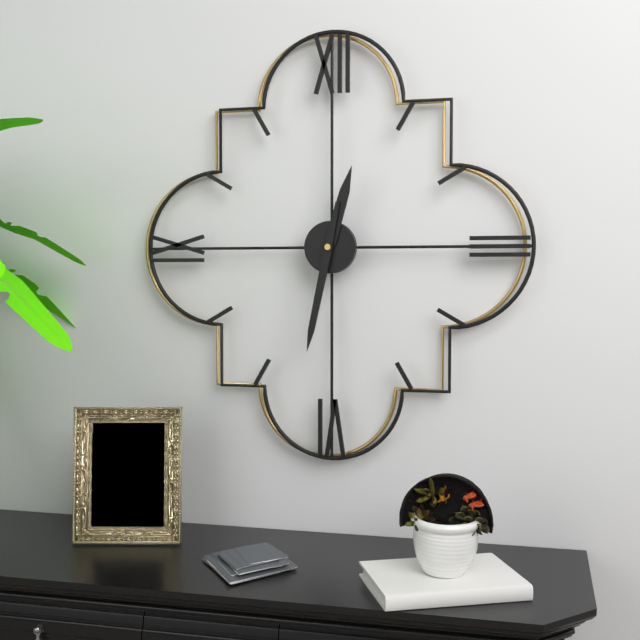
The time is **12:32**
